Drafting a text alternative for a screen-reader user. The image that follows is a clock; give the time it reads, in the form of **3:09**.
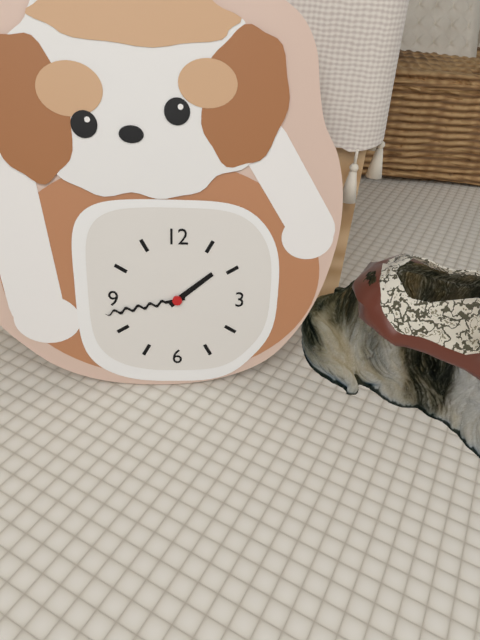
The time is **1:43**
